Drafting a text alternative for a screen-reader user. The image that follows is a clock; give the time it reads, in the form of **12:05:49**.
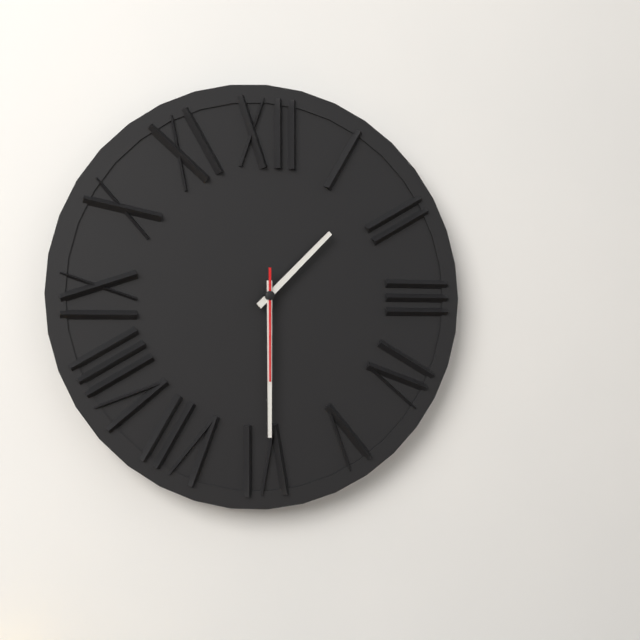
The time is **1:30:30**
